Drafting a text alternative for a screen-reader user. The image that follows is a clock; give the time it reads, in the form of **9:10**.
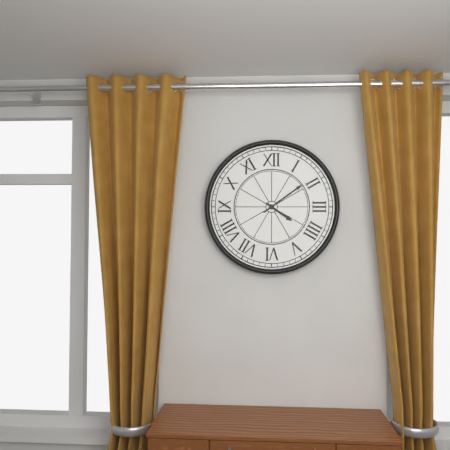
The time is **4:09**
